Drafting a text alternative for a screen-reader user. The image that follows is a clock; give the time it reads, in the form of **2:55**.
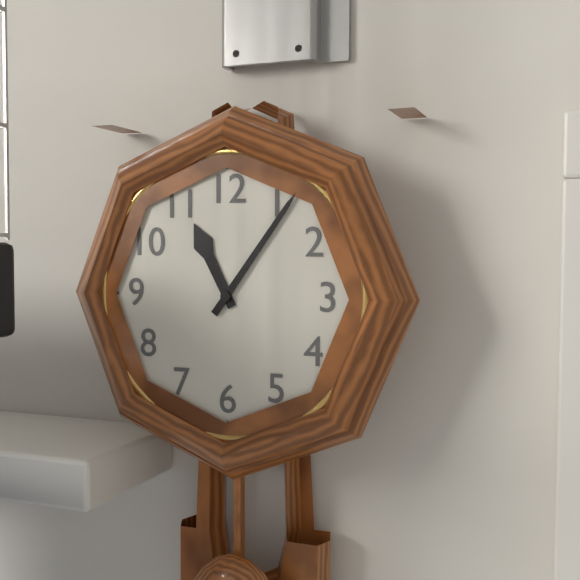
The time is **11:06**
